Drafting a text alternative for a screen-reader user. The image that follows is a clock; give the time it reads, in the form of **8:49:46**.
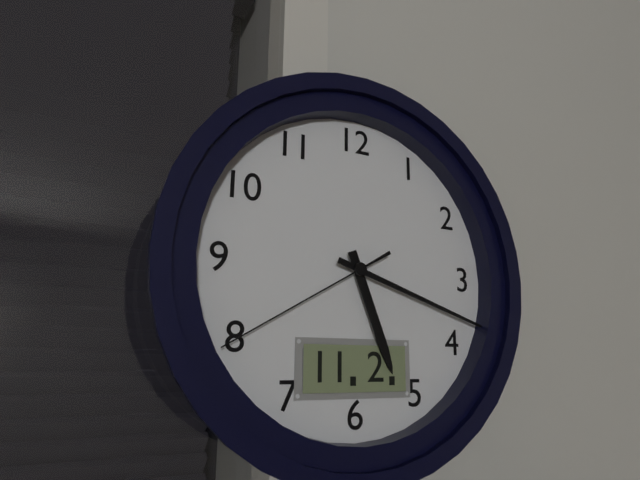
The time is **5:18:40**
